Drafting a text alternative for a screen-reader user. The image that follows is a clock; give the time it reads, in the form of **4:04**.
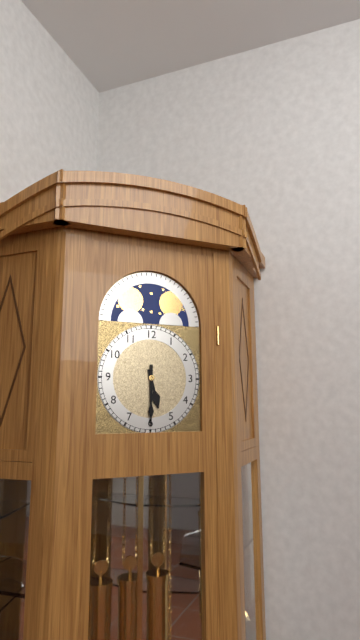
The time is **5:30**
